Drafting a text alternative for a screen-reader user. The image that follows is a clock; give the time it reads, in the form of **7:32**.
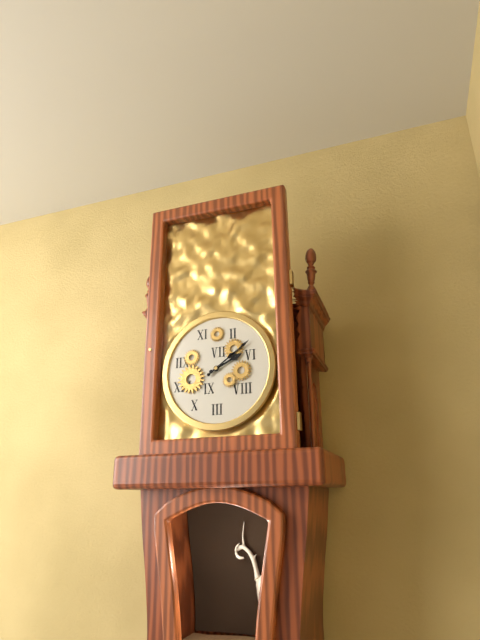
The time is **2:09**
